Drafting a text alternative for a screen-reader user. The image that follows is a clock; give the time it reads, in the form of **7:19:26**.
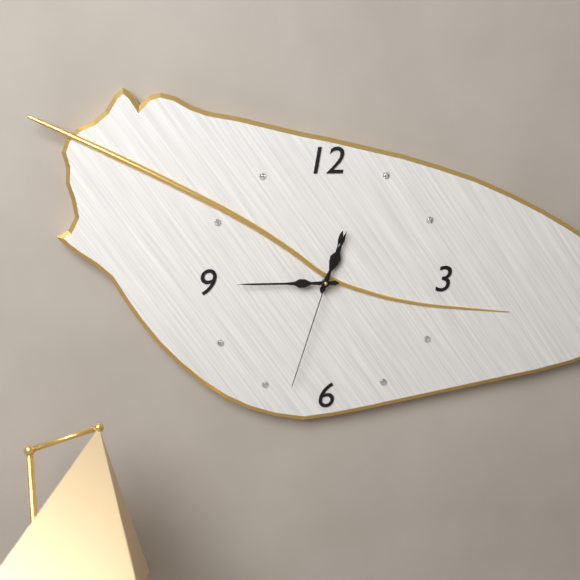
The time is **12:45:33**
